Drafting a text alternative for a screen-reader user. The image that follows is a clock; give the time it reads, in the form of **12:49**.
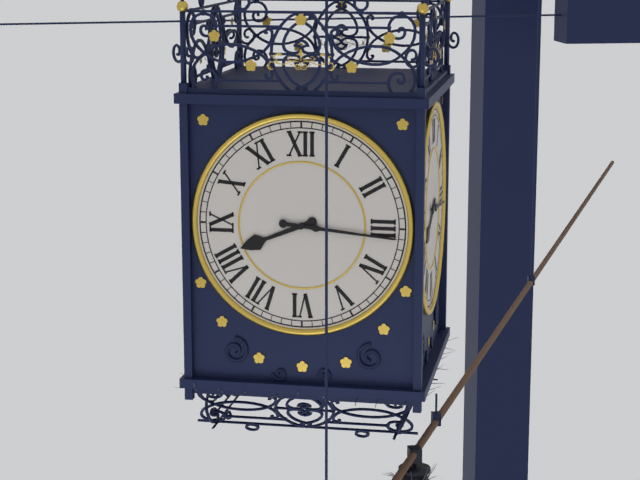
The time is **8:16**
